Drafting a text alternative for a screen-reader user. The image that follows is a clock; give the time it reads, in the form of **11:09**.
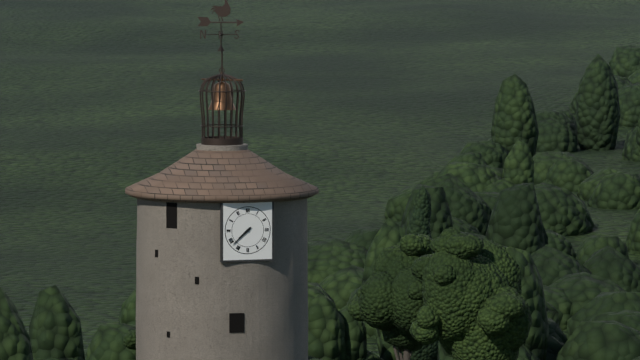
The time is **7:38**
